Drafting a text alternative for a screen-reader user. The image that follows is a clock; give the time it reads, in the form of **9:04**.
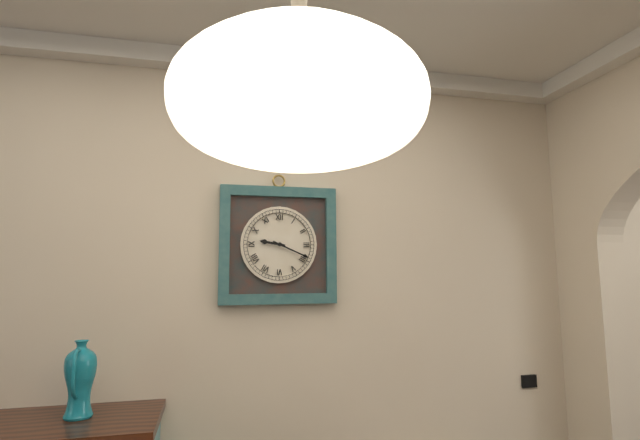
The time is **9:19**
